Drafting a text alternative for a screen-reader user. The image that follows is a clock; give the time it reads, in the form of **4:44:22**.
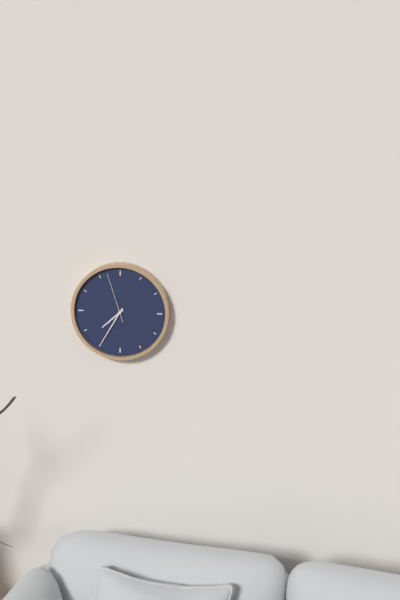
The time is **7:35:57**
